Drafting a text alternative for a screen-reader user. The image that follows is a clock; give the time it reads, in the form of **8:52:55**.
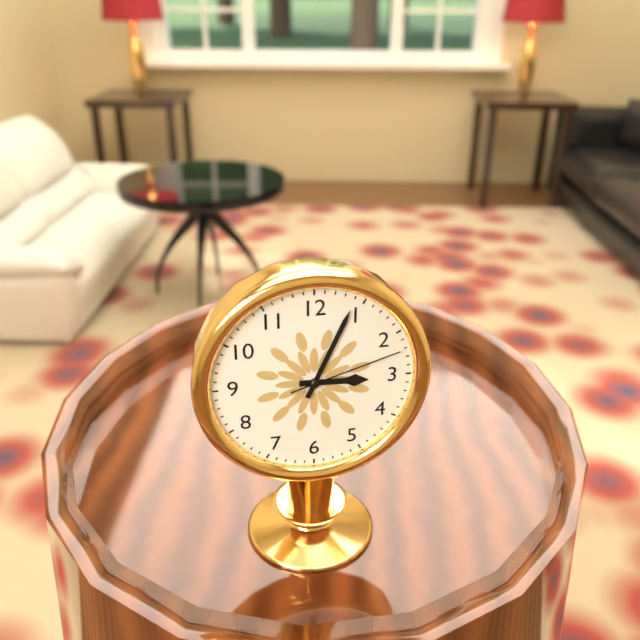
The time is **3:04:12**
